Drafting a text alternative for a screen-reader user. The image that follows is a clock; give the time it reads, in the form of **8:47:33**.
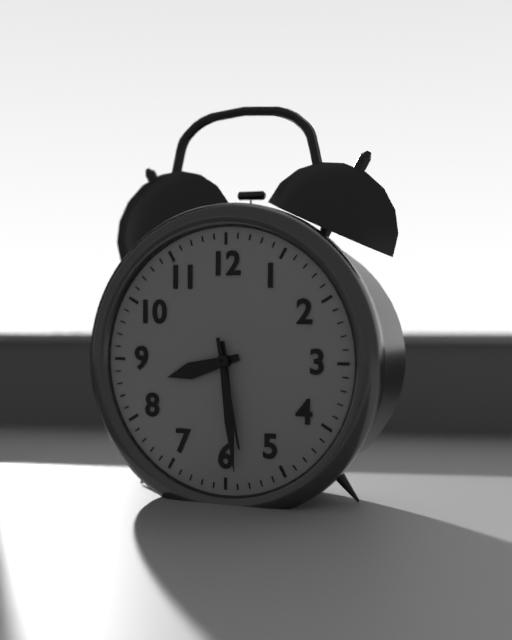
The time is **8:29:28**
